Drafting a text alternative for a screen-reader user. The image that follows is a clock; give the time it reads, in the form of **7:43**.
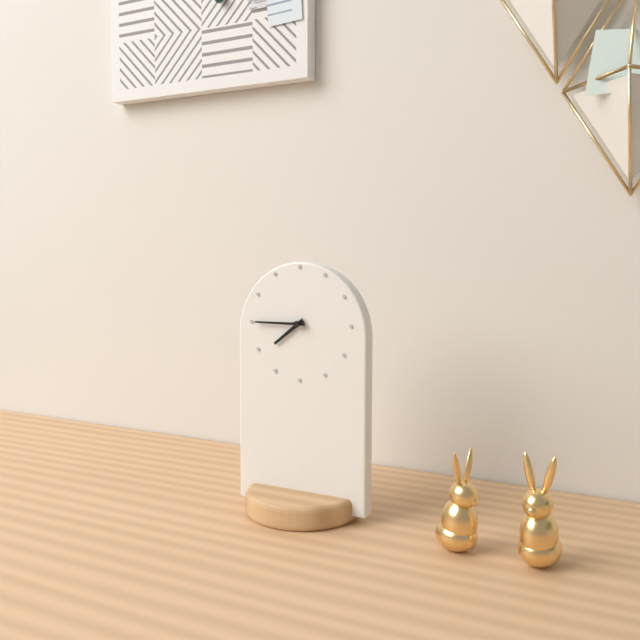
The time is **7:45**
